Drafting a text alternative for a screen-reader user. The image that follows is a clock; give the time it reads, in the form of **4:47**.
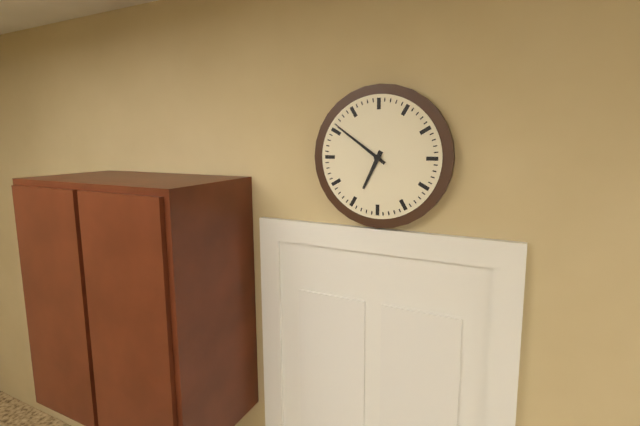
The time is **6:51**
